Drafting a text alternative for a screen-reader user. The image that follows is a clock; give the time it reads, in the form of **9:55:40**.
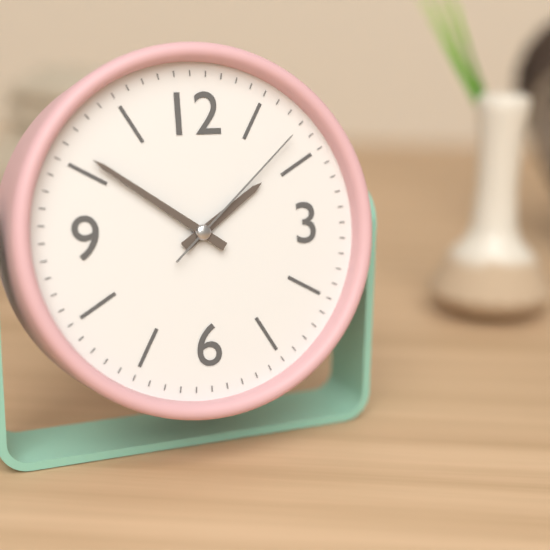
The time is **1:51:08**
